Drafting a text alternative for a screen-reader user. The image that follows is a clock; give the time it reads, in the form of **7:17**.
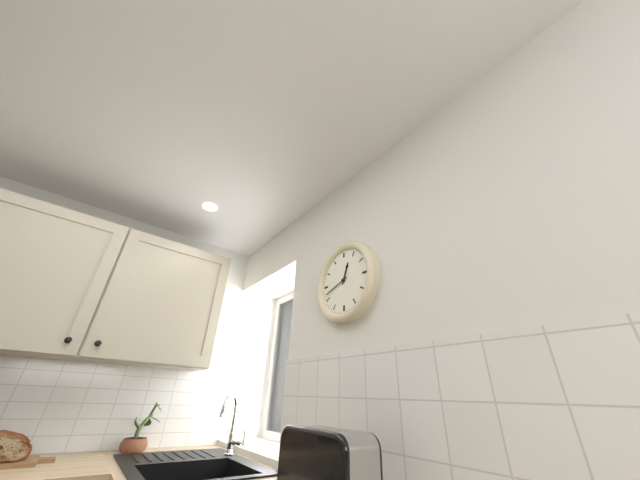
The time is **12:42**
